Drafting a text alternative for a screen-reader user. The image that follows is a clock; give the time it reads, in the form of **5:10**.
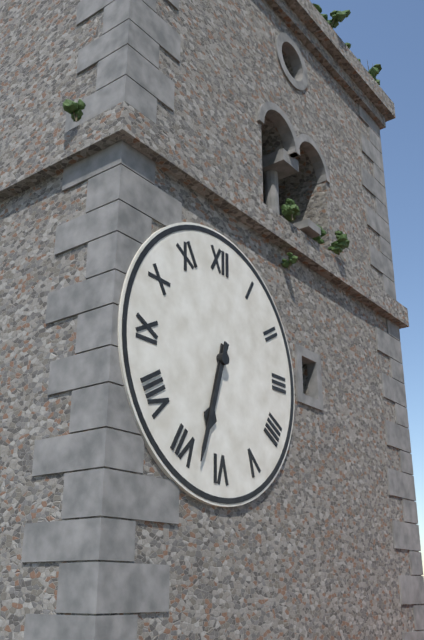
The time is **6:33**
